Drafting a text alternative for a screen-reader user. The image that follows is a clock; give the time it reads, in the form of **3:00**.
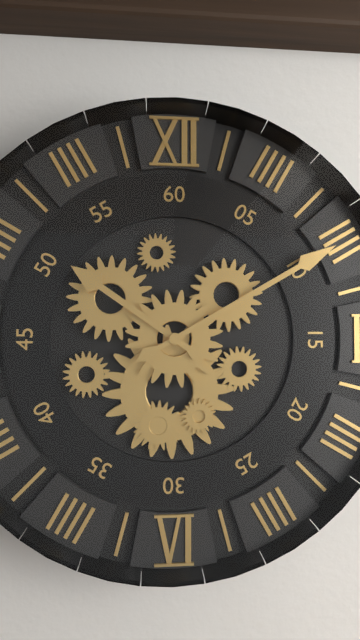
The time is **10:10**
